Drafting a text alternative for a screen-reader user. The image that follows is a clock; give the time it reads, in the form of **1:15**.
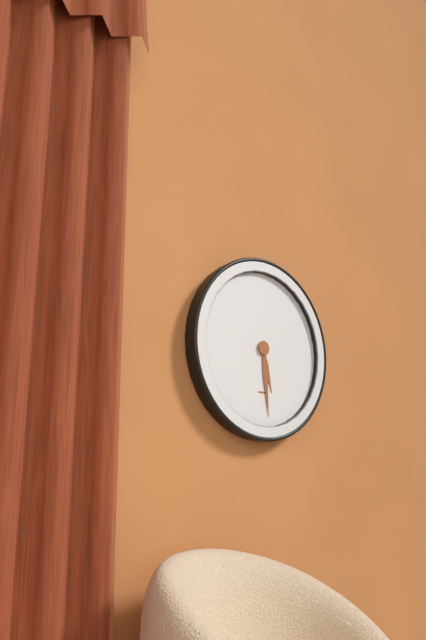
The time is **5:29**
